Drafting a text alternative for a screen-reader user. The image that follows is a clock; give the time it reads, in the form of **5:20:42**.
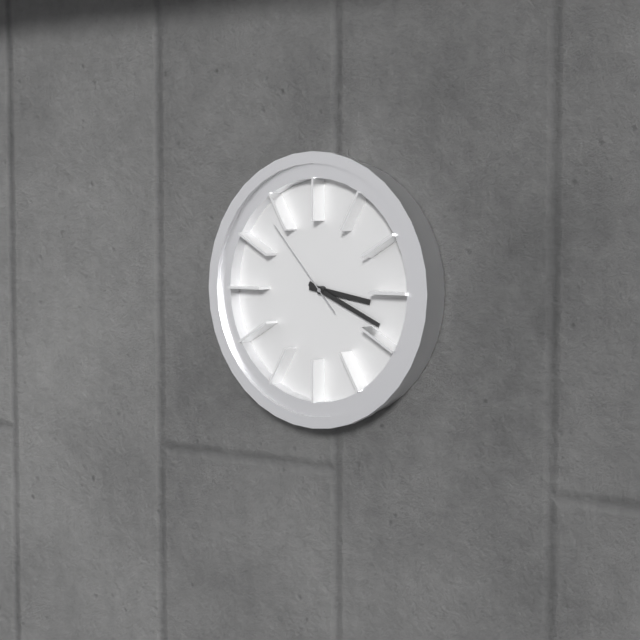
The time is **3:19:53**
